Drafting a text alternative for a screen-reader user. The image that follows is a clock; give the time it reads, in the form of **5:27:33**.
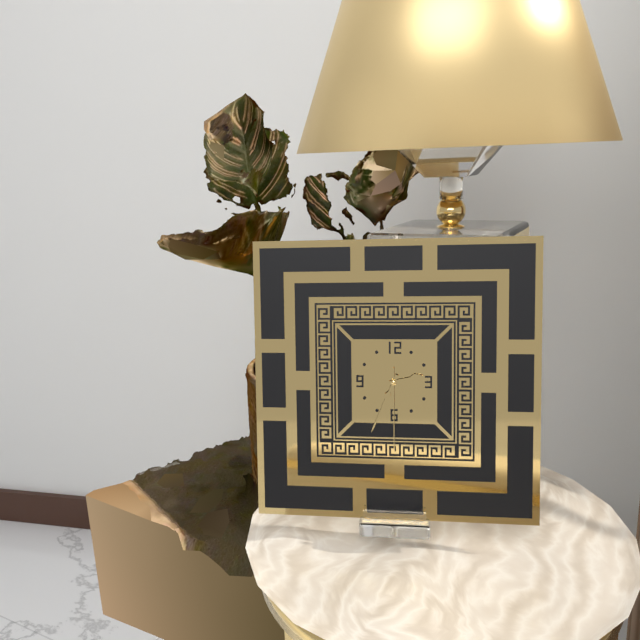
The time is **2:34:30**
